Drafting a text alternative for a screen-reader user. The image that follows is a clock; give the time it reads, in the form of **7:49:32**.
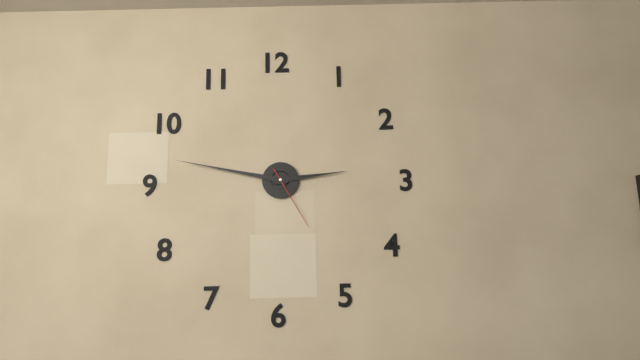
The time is **2:47:25**
